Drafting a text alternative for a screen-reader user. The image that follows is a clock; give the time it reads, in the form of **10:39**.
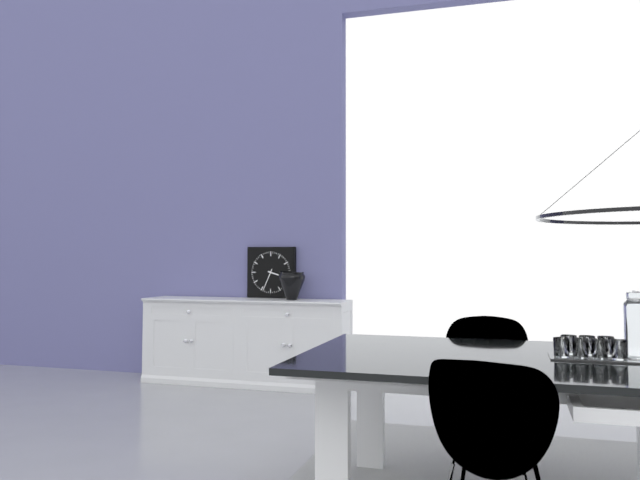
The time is **3:34**
